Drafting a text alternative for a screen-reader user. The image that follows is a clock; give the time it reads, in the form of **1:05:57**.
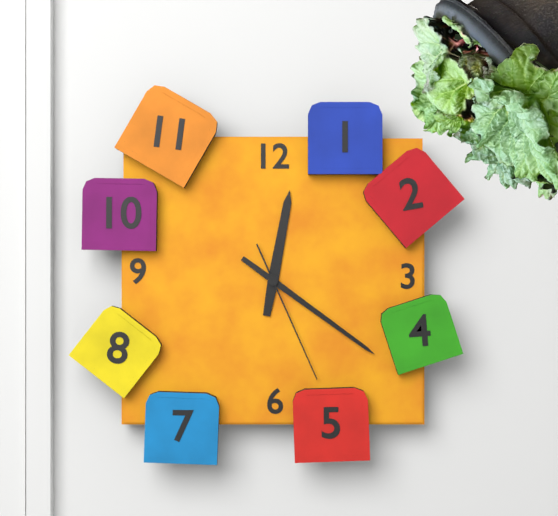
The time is **12:21:26**
